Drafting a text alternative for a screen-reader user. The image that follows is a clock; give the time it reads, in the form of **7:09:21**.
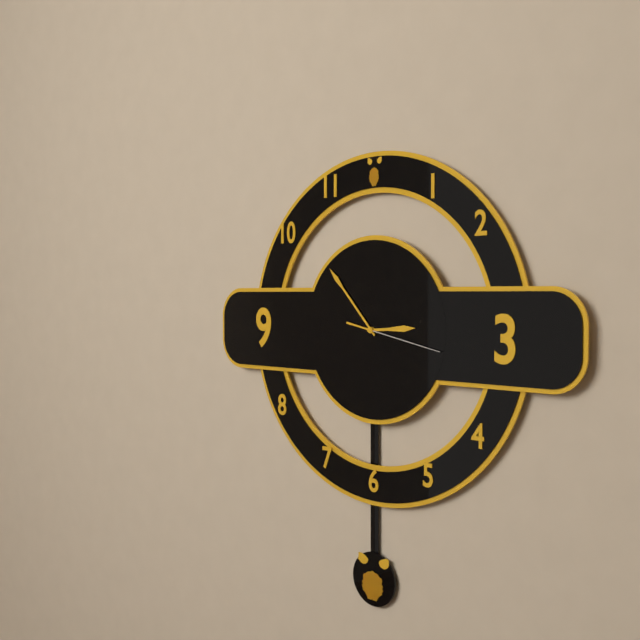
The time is **2:53:17**
